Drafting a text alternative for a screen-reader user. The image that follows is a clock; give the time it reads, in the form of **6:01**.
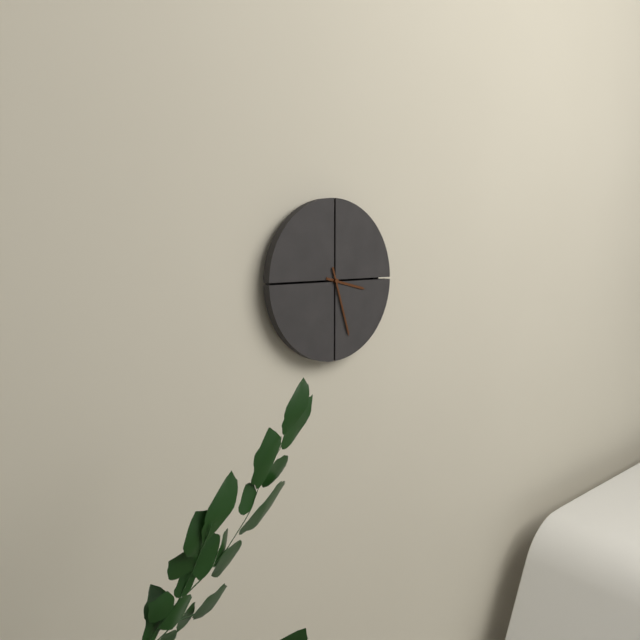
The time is **3:27**
